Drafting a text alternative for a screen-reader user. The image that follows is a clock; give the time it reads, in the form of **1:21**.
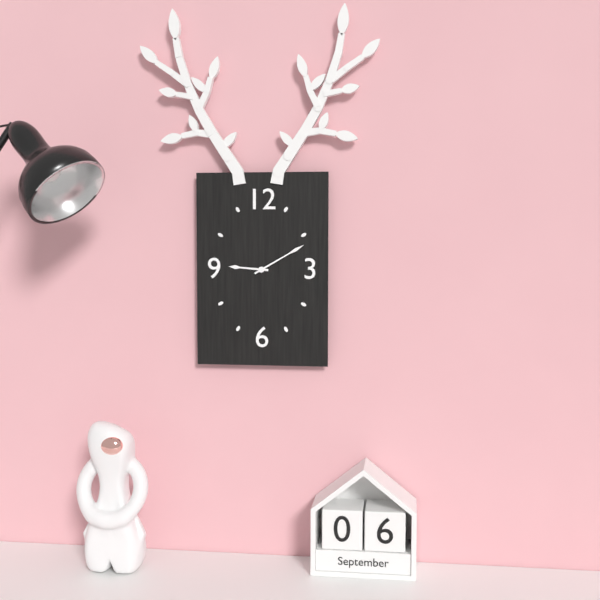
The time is **9:10**
